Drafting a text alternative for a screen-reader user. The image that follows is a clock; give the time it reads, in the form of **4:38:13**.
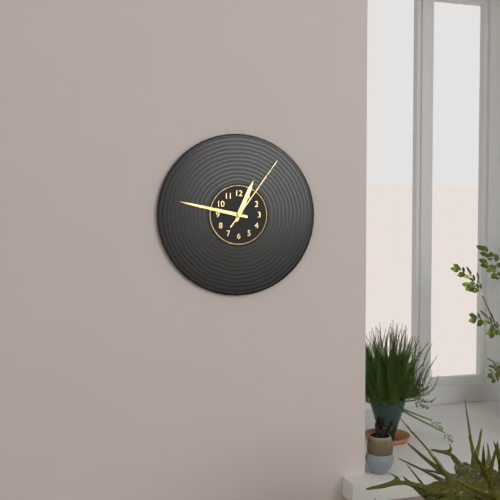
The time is **12:47:06**
